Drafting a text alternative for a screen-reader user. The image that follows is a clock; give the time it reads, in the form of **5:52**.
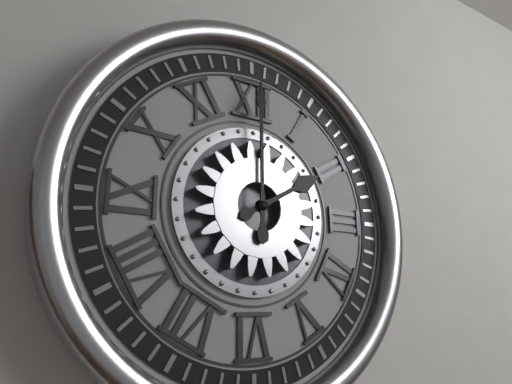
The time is **2:00**
